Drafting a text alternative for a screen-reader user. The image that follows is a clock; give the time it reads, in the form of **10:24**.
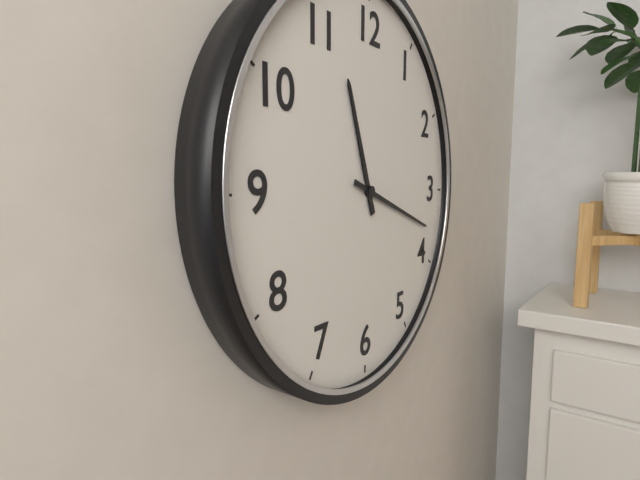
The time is **11:18**
